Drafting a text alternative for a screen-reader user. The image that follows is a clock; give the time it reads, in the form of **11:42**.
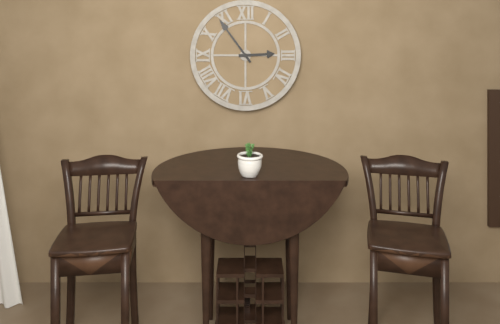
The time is **2:54**
